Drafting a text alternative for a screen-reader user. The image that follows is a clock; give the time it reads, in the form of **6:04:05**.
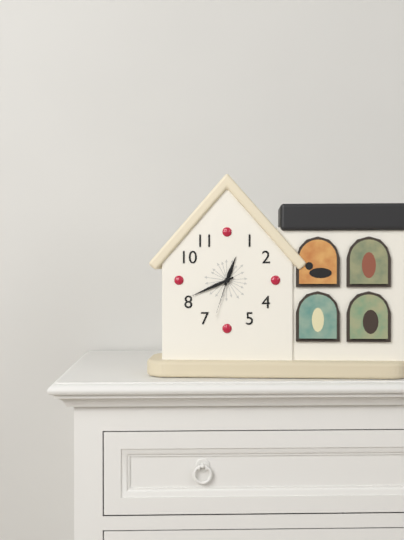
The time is **12:41:33**
